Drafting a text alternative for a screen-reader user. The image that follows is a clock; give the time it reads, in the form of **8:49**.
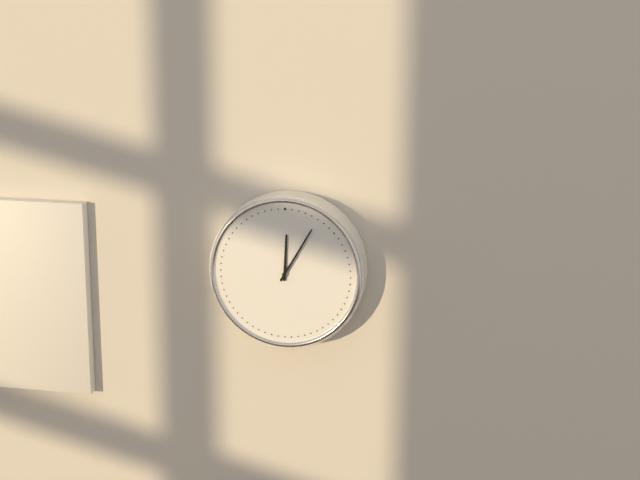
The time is **12:05**
